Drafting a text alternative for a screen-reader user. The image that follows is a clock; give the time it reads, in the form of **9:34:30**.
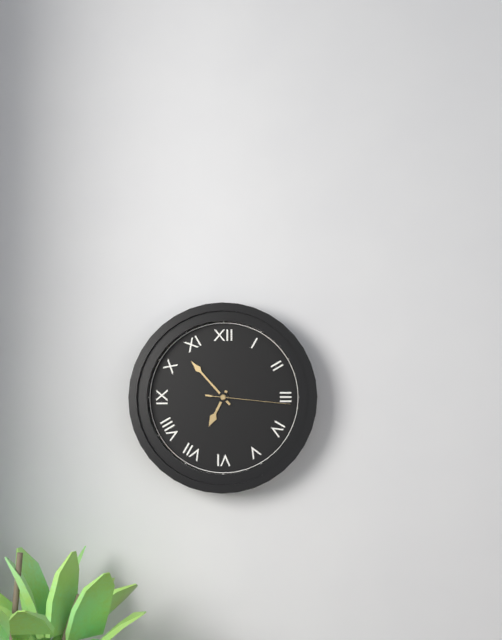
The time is **6:53:16**
